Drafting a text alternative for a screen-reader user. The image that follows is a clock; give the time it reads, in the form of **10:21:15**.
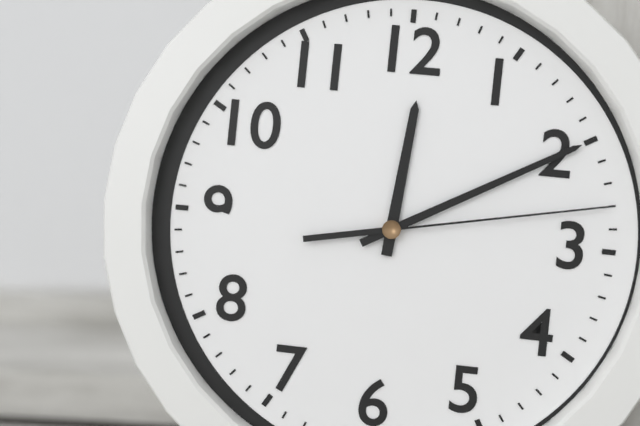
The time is **12:10:13**
